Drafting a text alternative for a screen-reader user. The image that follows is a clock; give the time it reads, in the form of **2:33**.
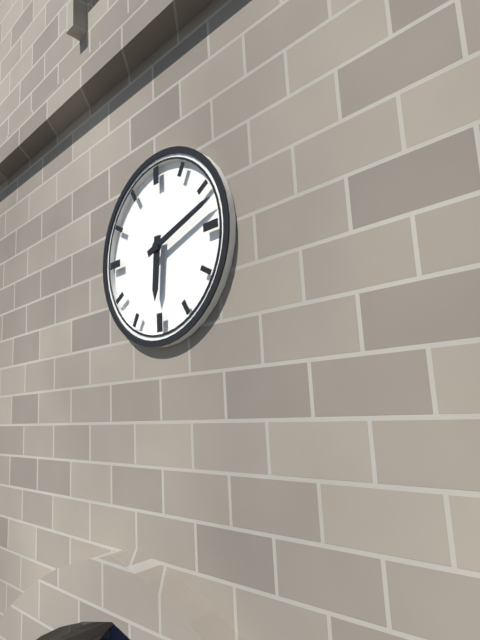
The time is **6:12**
